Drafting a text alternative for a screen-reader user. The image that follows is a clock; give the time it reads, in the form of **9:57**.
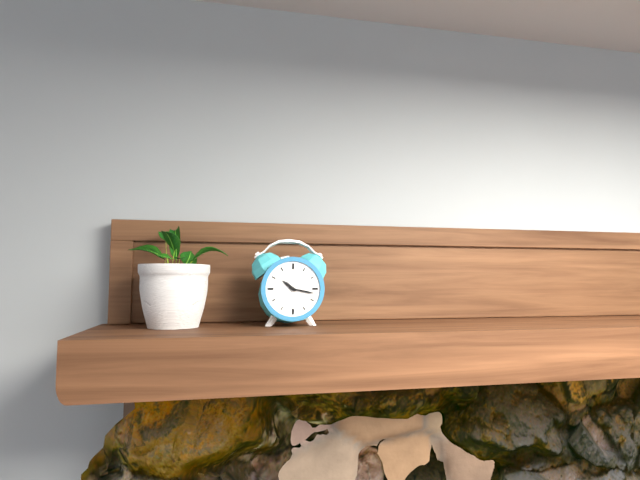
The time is **10:17**
